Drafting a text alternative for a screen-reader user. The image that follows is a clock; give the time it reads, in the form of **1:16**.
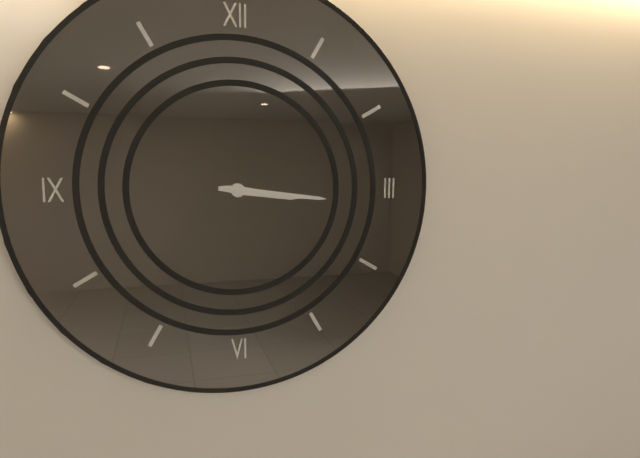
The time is **3:16**
